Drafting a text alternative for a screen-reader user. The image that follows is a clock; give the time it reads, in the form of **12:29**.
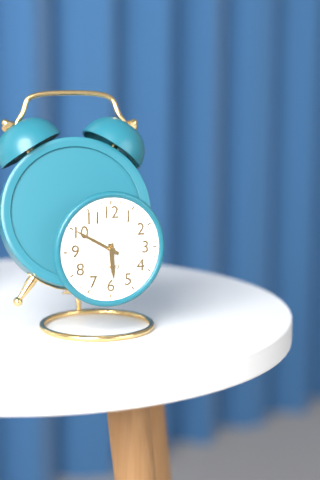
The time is **5:50**
